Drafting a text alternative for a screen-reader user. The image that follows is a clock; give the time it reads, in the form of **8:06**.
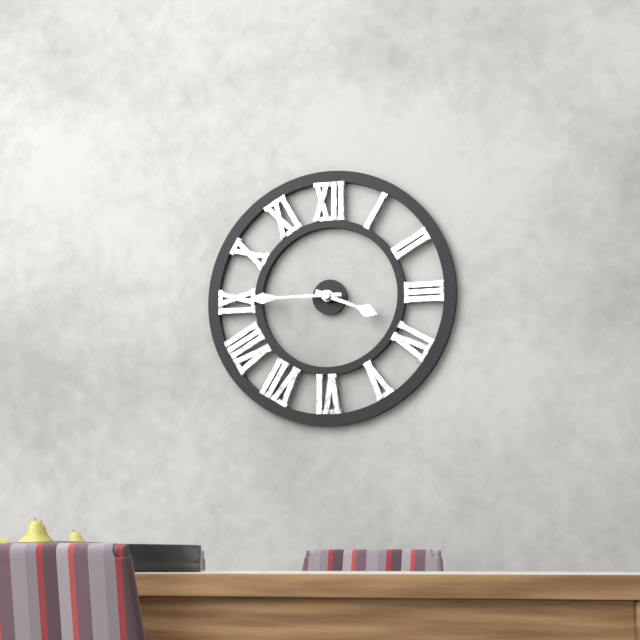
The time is **3:45**
